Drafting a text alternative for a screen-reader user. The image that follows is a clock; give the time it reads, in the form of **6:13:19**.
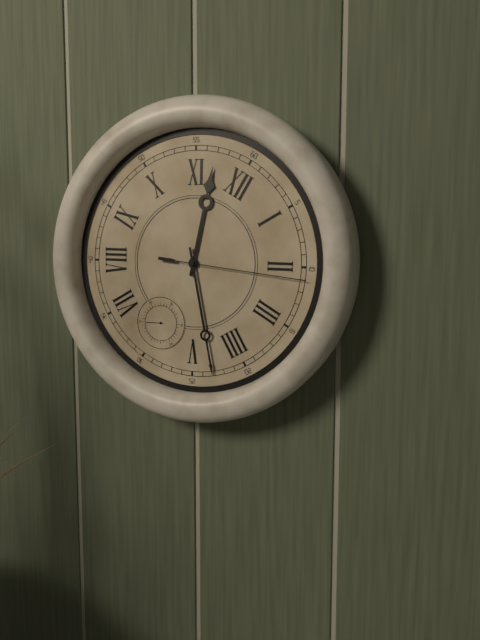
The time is **11:23:11**
